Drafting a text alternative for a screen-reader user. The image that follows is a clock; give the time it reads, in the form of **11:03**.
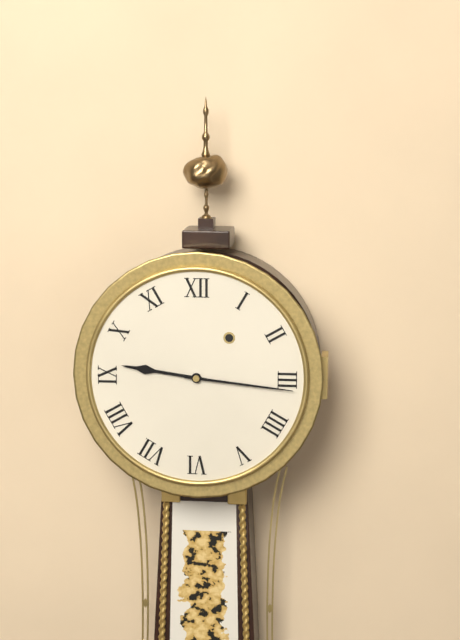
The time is **9:16**
